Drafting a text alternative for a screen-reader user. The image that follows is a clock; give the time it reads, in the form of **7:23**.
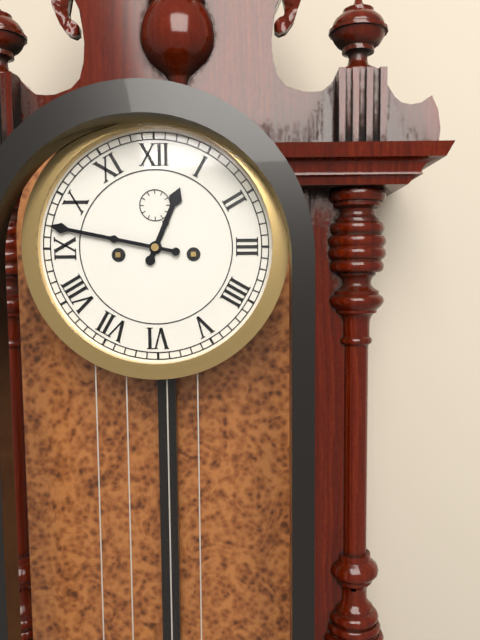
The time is **12:47**
